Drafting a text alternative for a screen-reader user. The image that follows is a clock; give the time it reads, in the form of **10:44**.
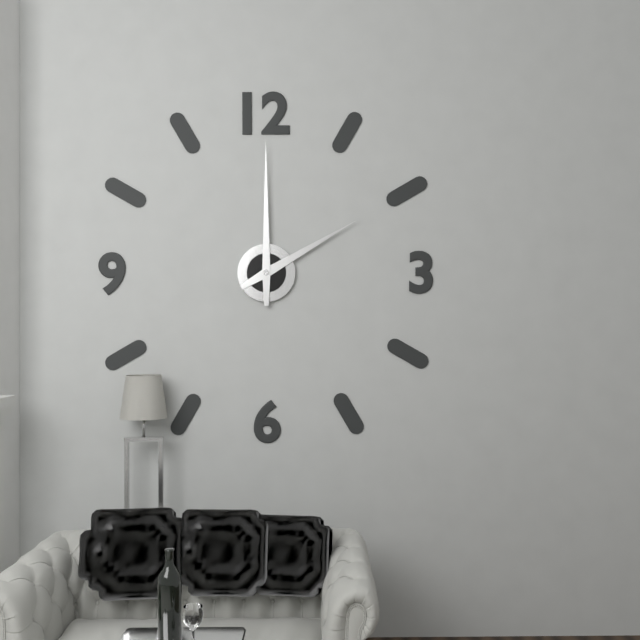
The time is **2:00**
